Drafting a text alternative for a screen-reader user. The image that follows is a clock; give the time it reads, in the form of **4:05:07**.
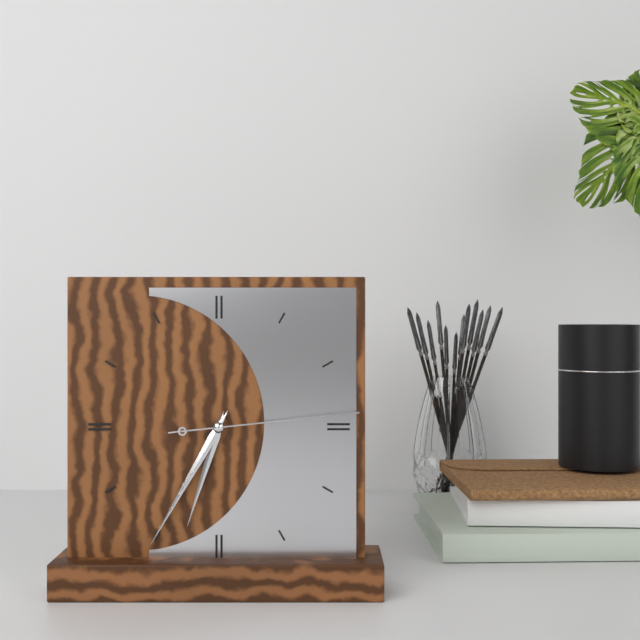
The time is **6:35:14**
